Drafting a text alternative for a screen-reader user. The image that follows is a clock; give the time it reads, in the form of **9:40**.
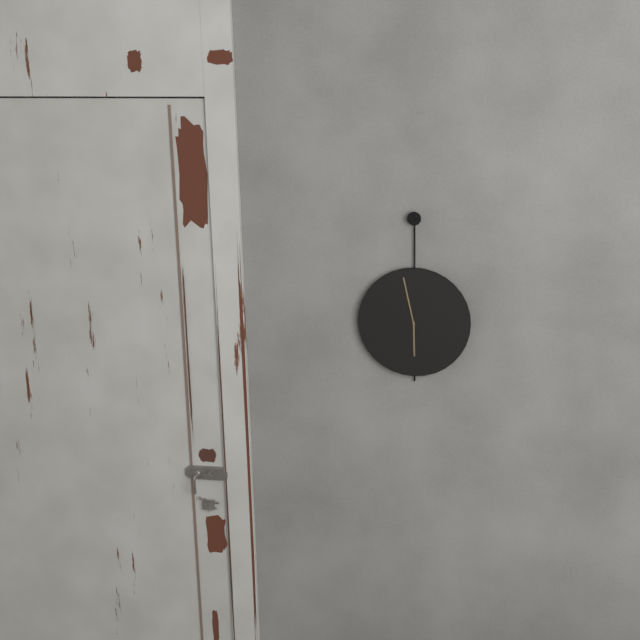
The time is **5:58**
